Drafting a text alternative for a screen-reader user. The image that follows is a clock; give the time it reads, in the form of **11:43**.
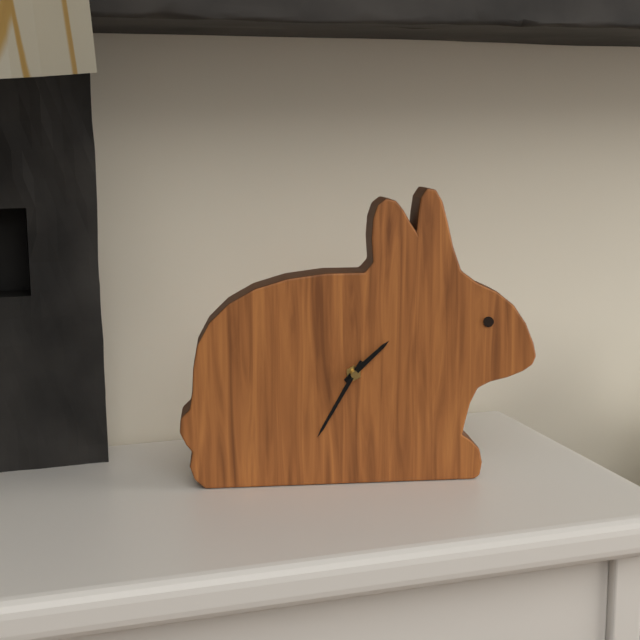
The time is **1:35**
